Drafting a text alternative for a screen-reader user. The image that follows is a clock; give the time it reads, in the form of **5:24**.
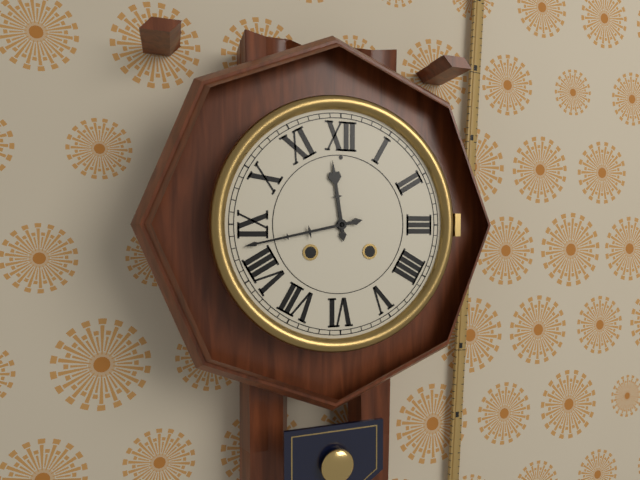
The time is **11:43**
